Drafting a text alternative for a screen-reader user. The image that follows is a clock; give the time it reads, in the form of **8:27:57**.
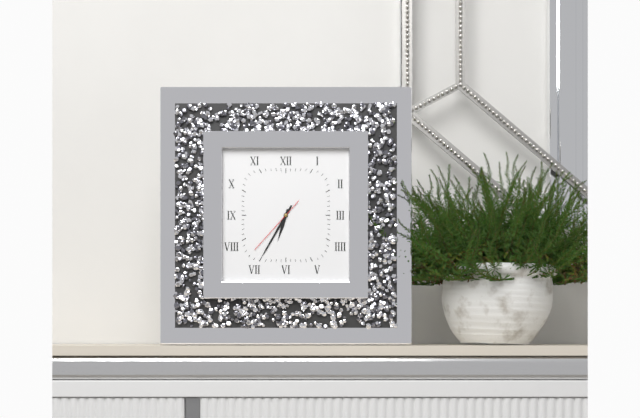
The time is **6:35:37**
